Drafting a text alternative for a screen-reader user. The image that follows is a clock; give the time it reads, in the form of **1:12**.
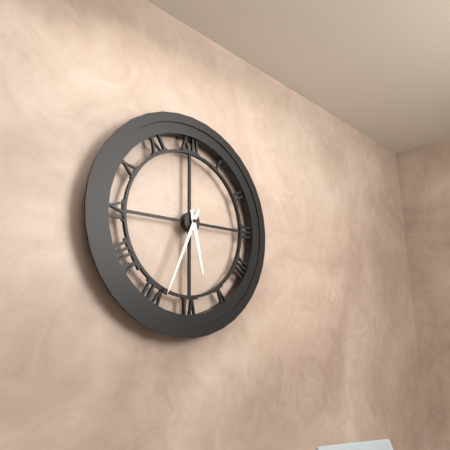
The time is **5:34**
